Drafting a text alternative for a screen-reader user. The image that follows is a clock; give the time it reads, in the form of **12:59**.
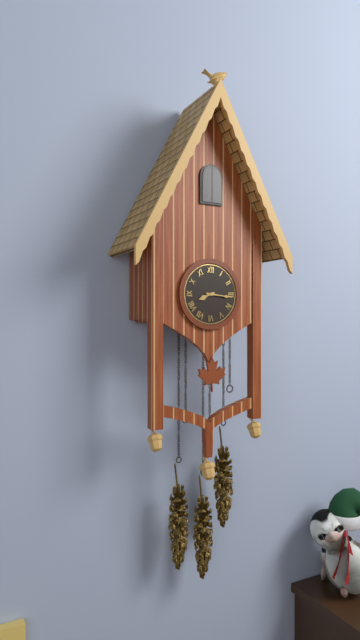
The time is **8:16**
